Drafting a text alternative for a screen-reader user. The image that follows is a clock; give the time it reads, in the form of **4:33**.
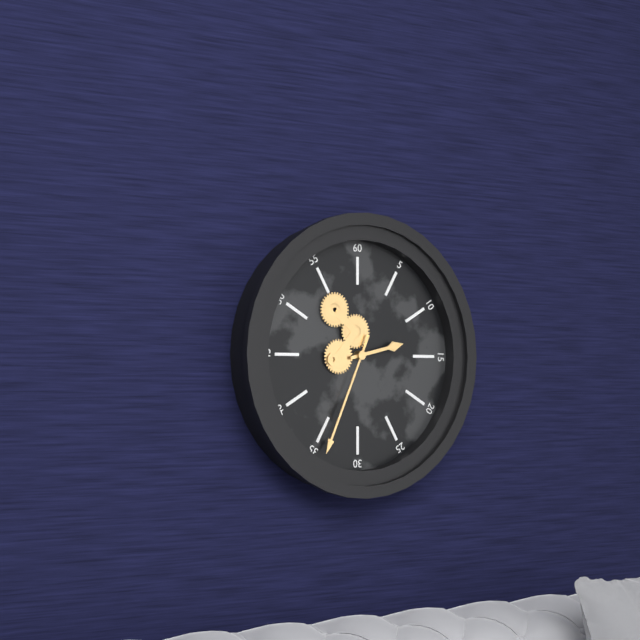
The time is **2:34**
